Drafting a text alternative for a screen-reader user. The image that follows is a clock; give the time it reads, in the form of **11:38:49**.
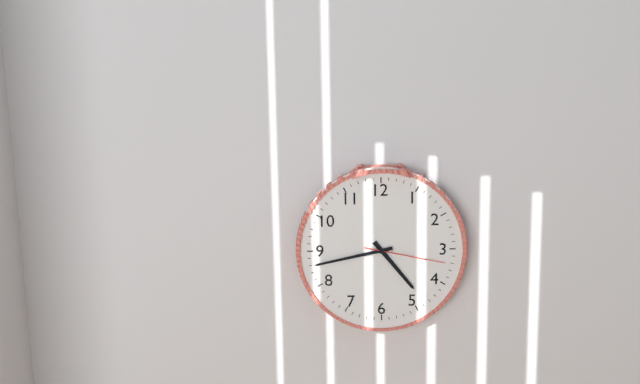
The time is **4:43:17**
